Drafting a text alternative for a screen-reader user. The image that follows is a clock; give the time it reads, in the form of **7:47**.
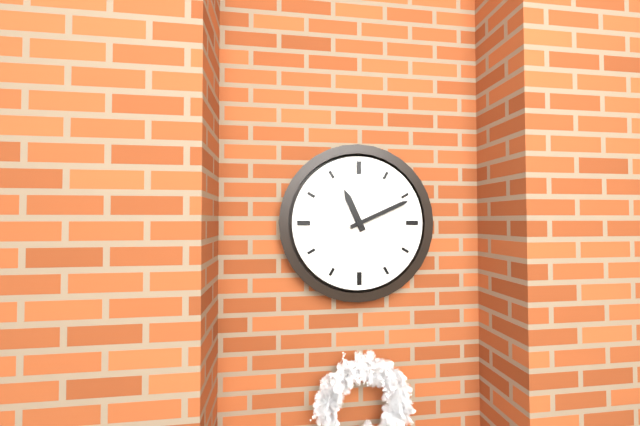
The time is **11:11**
